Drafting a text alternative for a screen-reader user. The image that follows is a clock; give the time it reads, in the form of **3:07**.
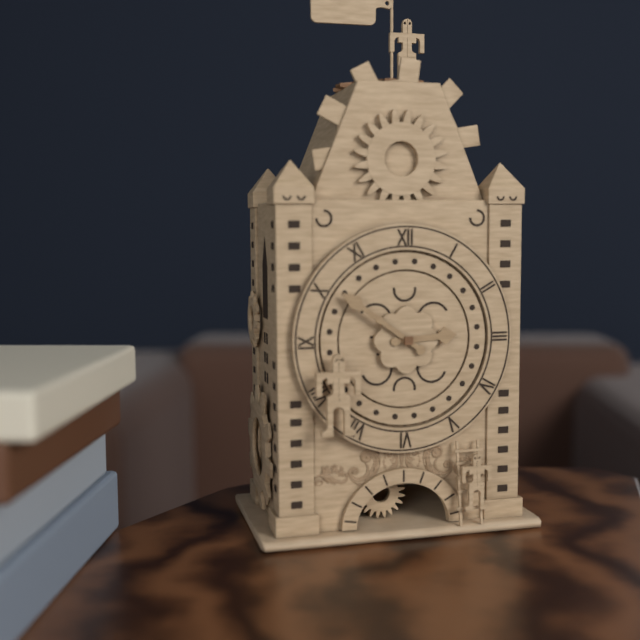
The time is **2:51**
